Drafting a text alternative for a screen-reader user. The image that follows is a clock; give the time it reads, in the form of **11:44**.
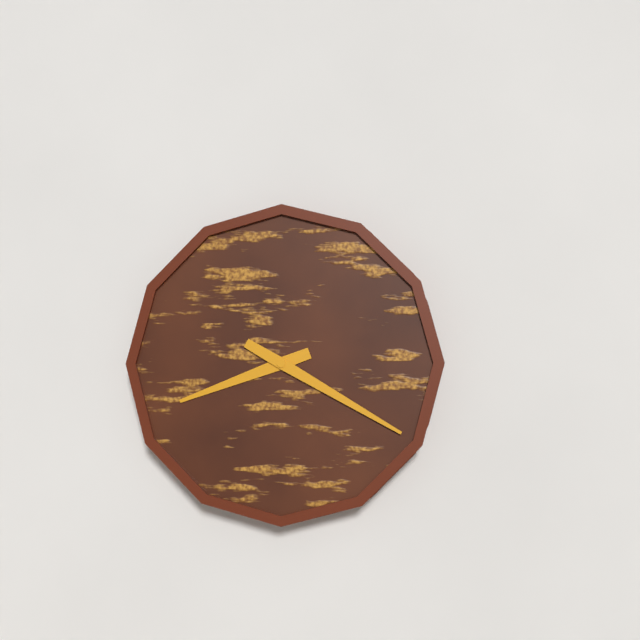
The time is **8:20**
